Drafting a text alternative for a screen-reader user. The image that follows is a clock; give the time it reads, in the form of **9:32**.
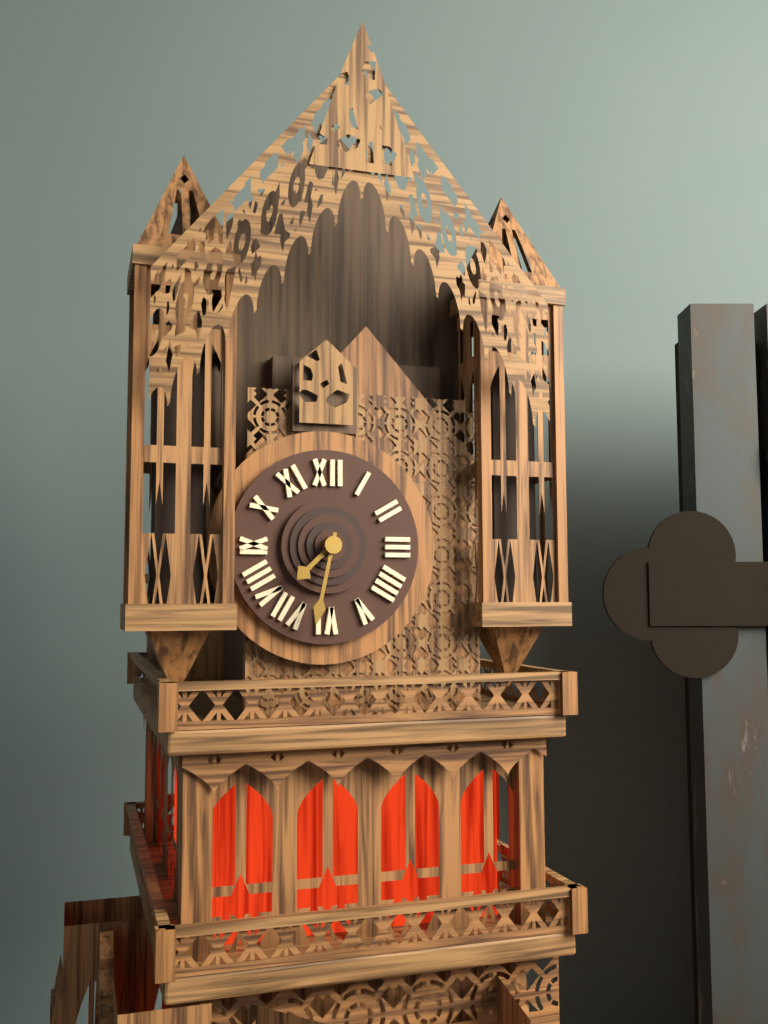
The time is **7:32**
